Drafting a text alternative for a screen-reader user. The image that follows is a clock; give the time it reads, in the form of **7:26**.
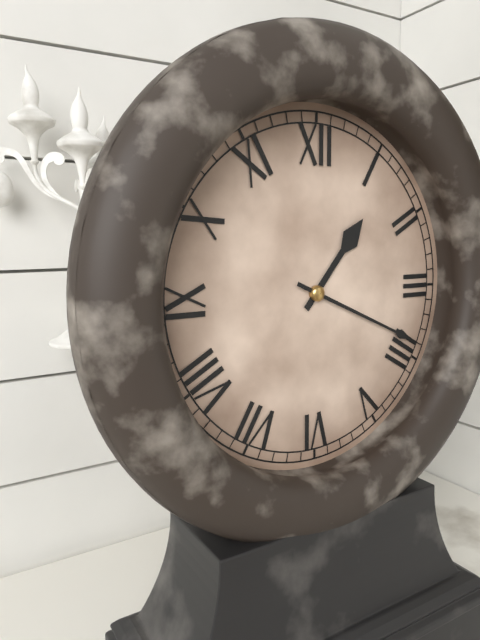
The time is **1:19**
